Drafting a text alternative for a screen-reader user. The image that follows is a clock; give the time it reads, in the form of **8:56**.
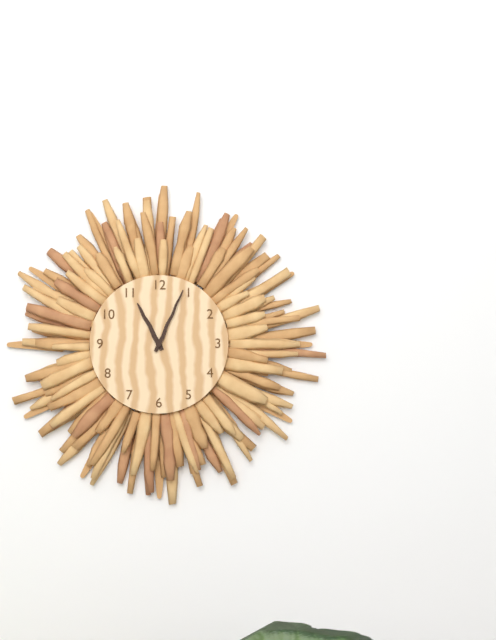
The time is **11:04**
